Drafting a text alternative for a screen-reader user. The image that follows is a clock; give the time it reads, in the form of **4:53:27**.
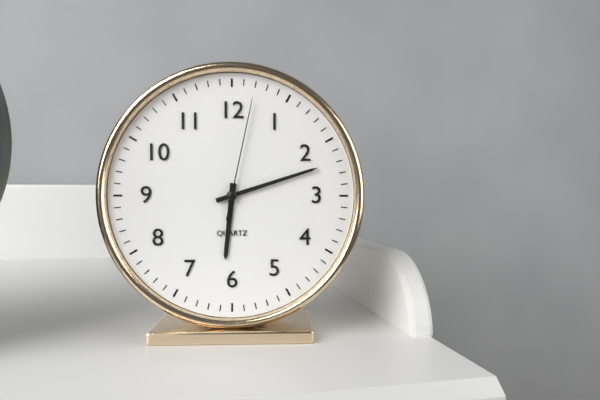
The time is **6:12:02**
